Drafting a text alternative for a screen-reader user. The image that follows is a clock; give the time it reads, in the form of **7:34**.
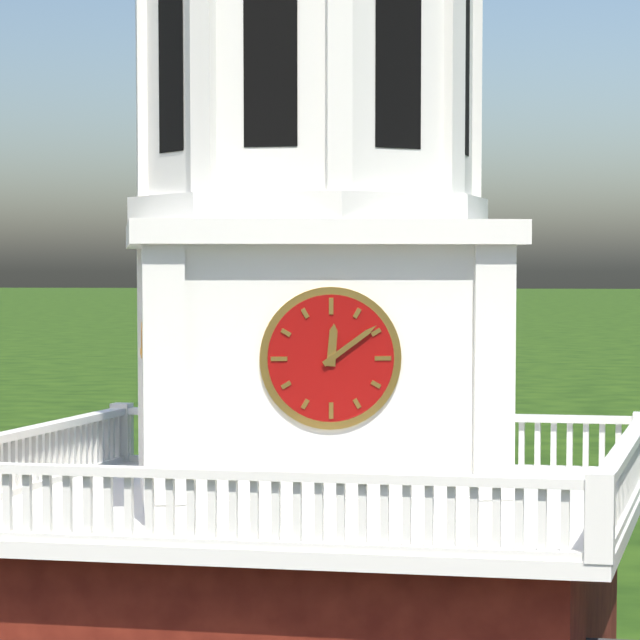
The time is **12:09**
